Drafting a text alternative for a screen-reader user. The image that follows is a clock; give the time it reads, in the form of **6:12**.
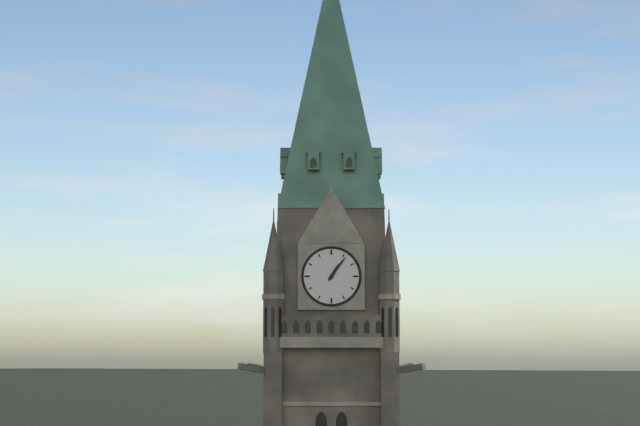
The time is **1:06**
